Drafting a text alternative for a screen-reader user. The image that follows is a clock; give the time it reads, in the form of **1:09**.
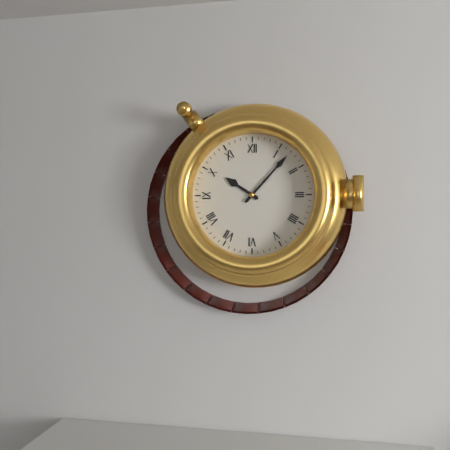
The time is **10:07**
